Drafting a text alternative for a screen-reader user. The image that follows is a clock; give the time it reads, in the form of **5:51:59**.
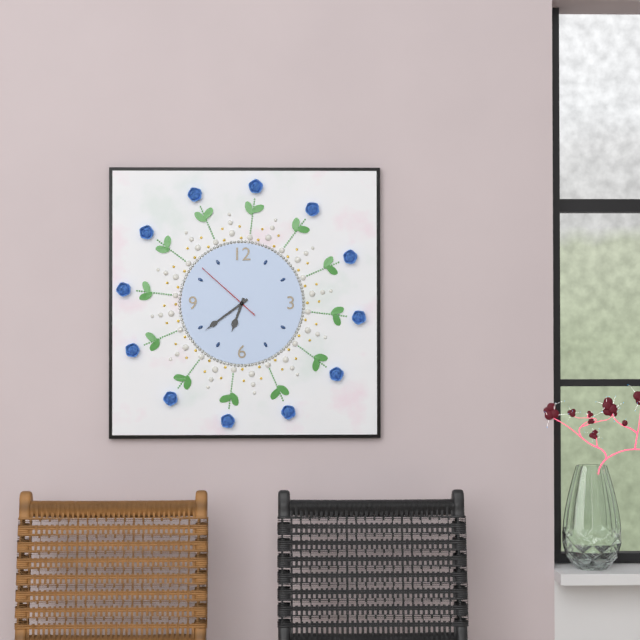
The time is **6:39:52**
